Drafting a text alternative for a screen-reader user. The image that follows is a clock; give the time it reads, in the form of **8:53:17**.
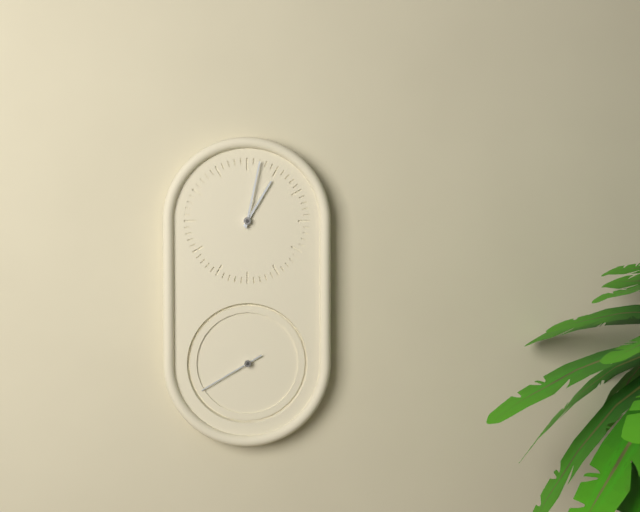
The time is **1:02:40**
